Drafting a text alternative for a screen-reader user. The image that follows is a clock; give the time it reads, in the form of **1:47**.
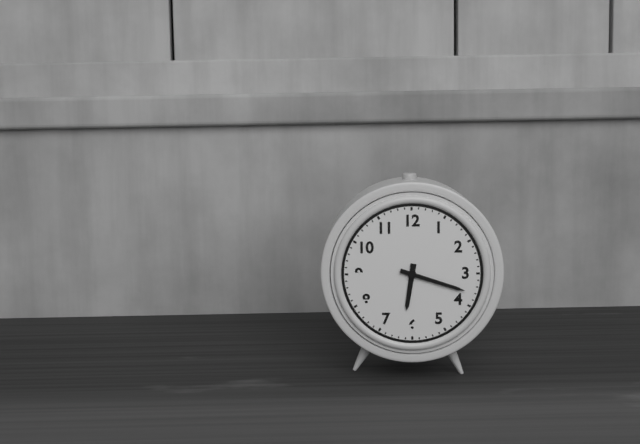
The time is **6:18**
